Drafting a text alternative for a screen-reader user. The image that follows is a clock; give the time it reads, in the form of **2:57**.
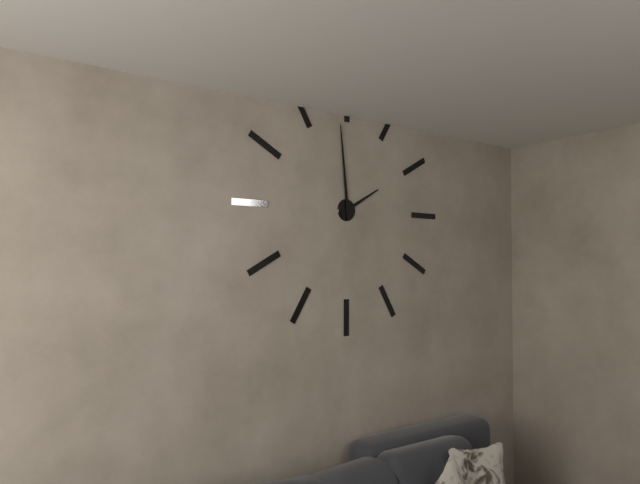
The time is **1:59**
